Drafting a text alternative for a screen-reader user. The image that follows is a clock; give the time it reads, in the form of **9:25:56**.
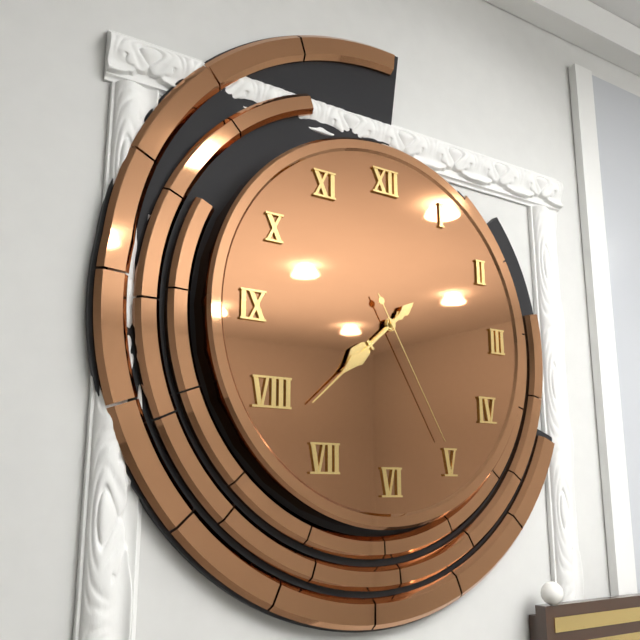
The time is **7:38:25**
